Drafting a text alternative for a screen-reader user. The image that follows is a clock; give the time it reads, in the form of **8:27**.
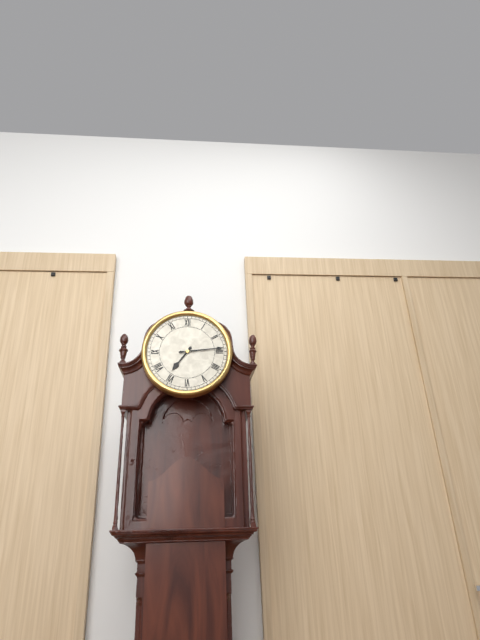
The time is **7:14**
